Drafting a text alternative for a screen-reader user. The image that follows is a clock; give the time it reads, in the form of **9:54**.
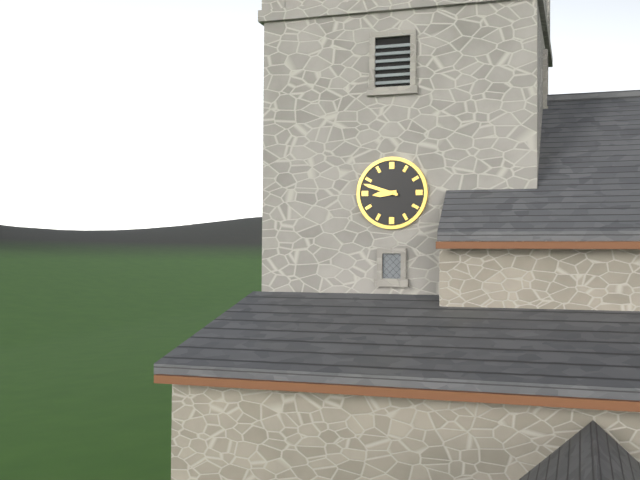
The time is **8:48**
